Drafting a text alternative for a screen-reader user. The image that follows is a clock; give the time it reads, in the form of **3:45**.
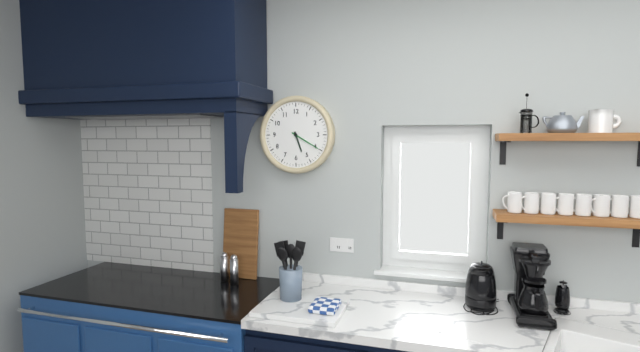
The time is **5:20**
